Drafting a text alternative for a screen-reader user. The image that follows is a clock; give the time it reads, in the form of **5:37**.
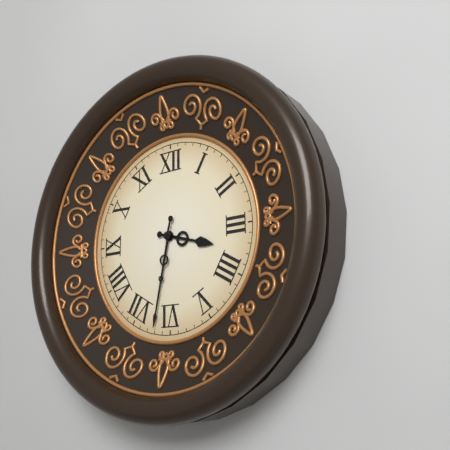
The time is **3:32**
